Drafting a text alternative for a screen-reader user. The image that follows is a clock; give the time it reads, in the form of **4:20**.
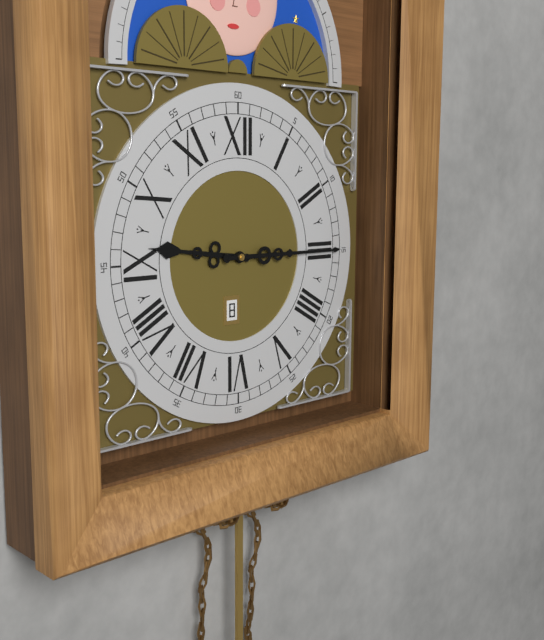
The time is **9:15**
